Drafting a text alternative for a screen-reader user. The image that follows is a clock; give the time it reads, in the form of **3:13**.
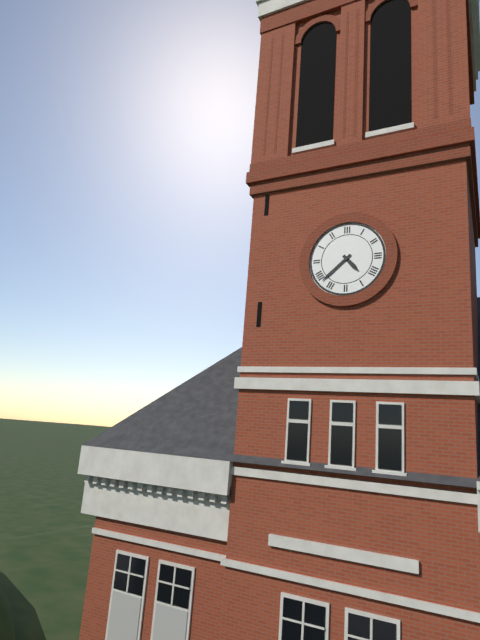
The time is **4:38**
